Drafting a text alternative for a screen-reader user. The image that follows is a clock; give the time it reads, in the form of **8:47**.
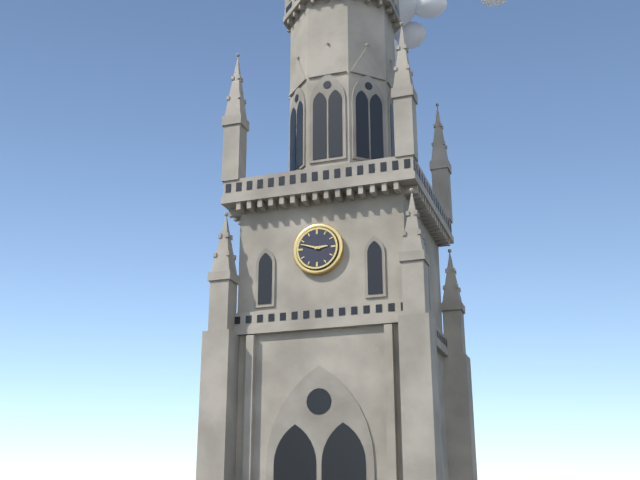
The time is **2:48**
